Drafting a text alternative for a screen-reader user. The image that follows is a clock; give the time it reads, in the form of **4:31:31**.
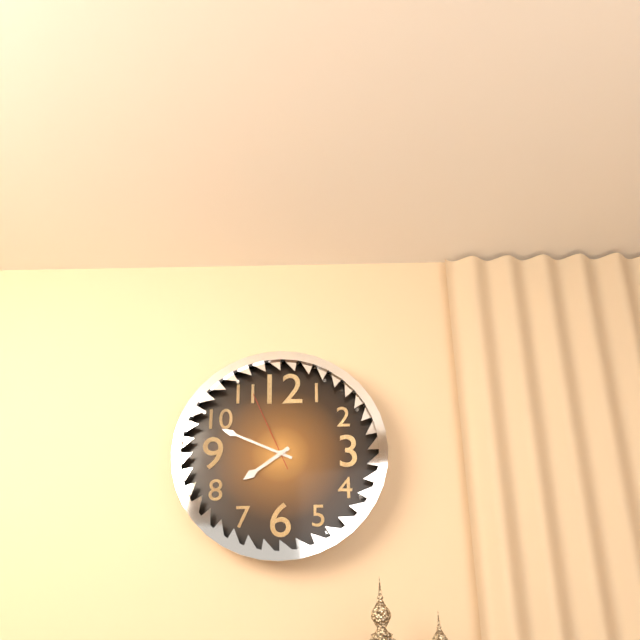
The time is **7:49:56**
